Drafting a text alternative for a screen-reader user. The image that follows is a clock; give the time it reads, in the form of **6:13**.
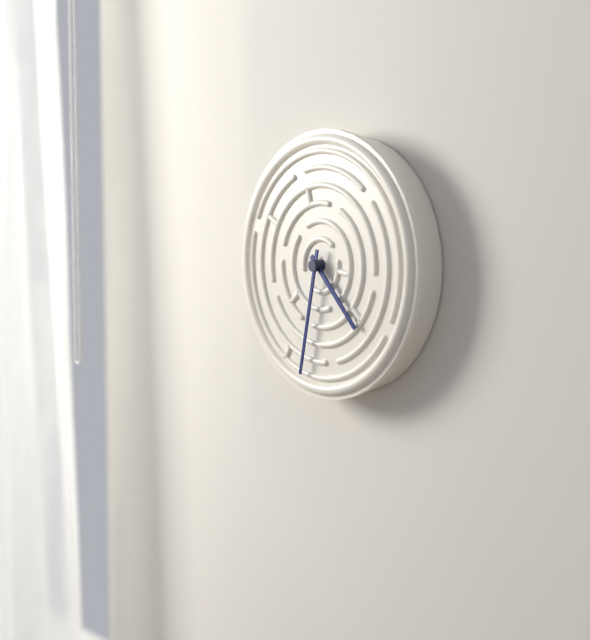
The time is **4:32**
